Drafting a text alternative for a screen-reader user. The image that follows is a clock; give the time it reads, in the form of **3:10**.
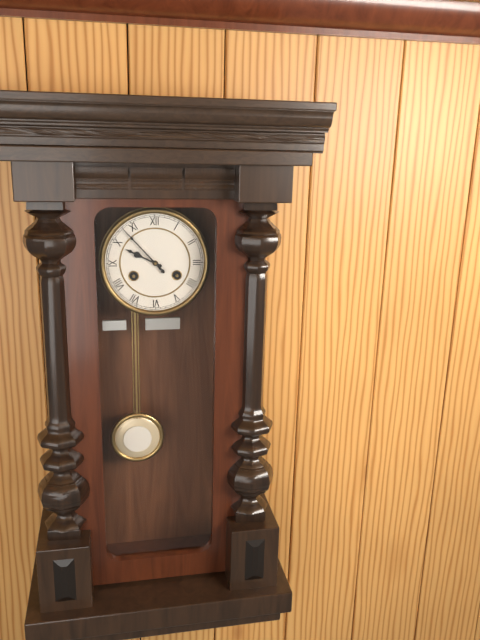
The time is **9:53**
